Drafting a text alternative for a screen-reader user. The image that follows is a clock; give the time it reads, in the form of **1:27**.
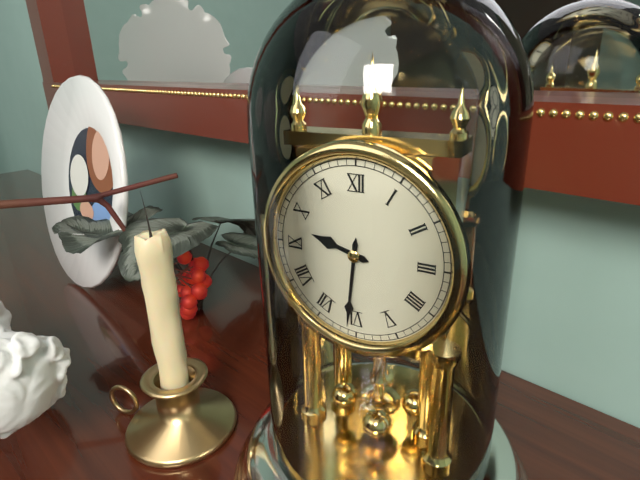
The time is **9:31**
